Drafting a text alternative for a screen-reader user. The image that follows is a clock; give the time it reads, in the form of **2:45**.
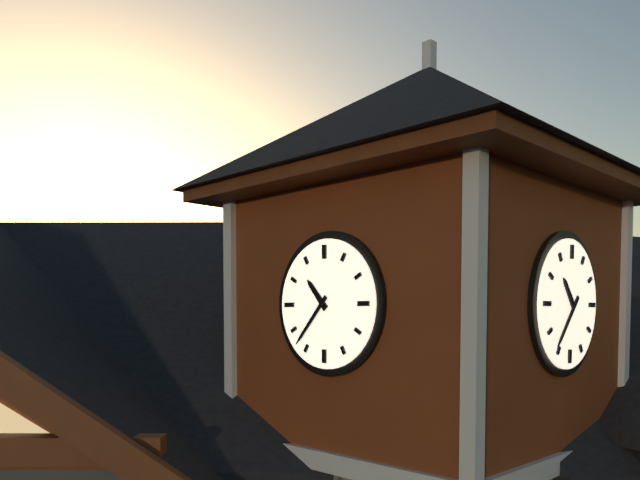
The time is **10:37**
